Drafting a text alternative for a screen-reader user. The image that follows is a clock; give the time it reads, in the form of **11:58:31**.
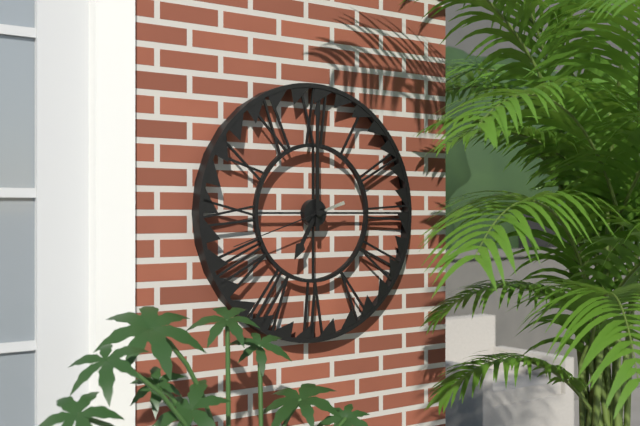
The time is **7:00:42**
